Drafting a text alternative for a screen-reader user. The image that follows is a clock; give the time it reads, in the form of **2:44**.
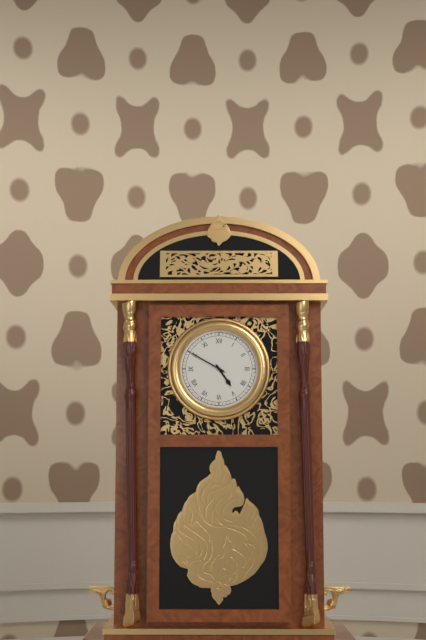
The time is **4:50**
